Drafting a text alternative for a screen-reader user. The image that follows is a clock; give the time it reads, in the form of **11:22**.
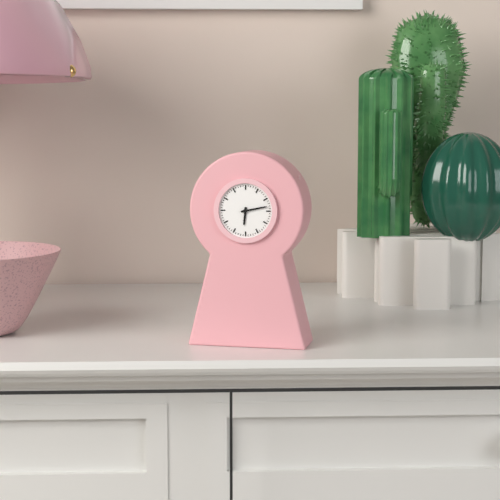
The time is **6:13**
